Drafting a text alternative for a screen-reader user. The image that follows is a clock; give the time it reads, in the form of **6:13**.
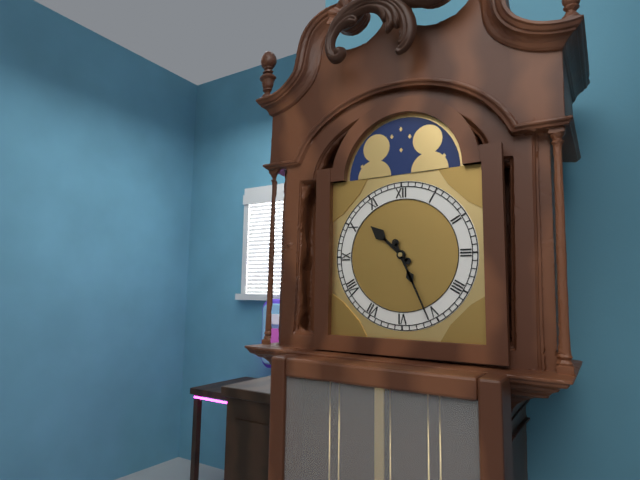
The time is **10:26**
